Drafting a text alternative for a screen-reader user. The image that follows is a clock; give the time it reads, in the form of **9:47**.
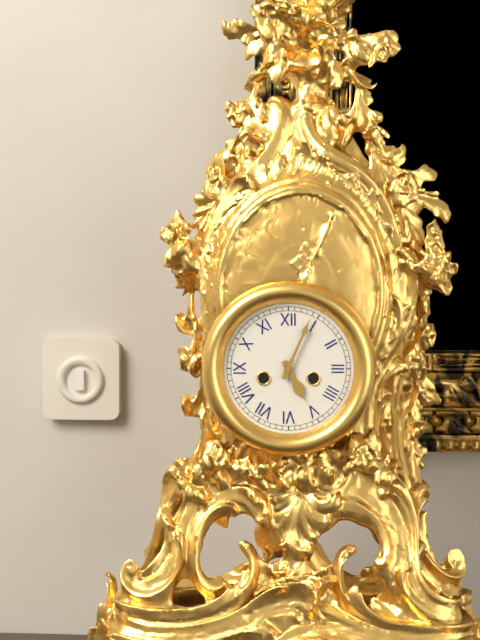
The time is **5:04**
